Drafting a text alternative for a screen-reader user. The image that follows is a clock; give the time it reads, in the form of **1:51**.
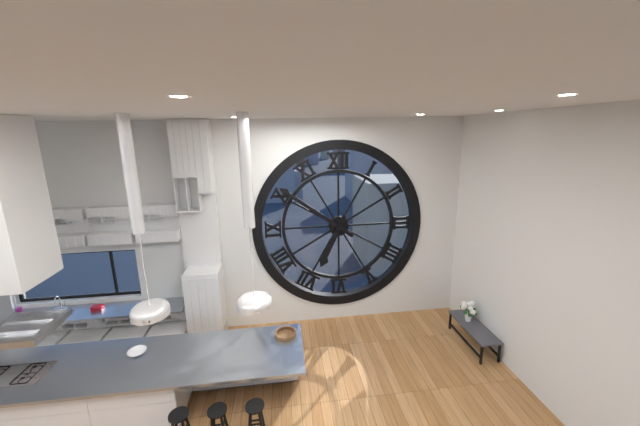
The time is **6:51**
